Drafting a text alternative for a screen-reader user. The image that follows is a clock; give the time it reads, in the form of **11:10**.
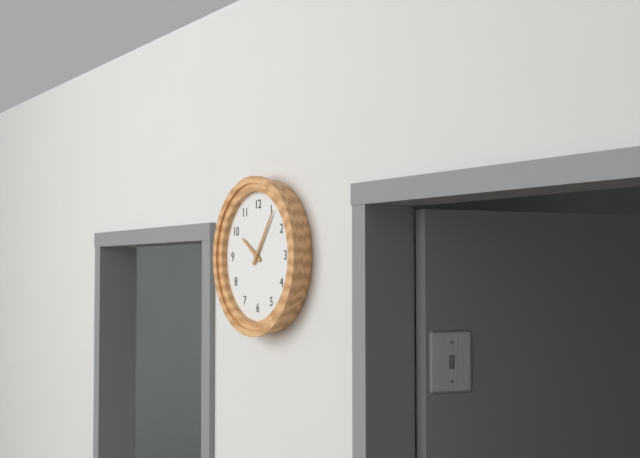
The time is **10:06**
